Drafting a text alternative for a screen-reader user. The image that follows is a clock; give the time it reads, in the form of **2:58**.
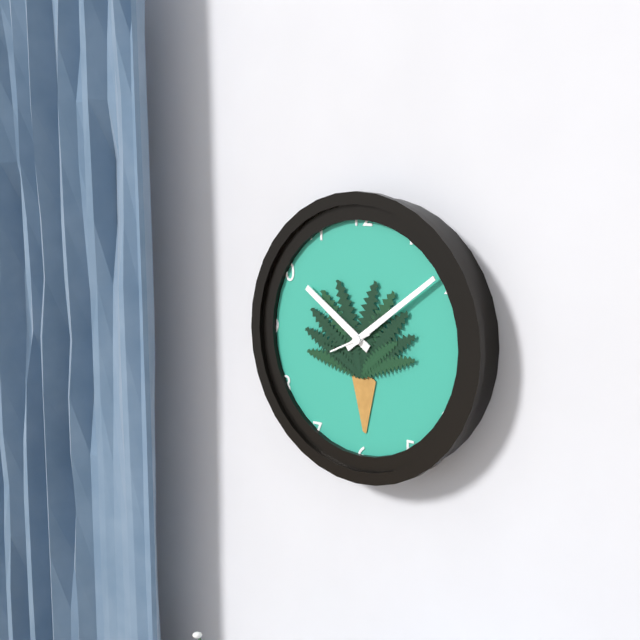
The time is **10:09**
